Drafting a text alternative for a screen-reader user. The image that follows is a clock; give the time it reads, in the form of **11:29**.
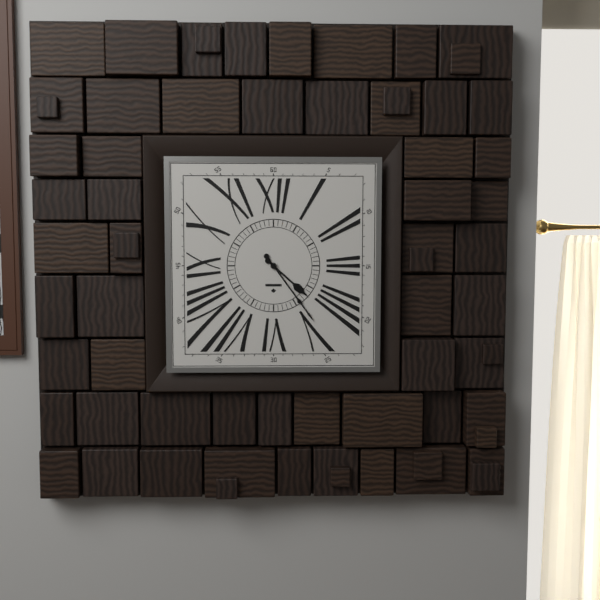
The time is **4:24**
